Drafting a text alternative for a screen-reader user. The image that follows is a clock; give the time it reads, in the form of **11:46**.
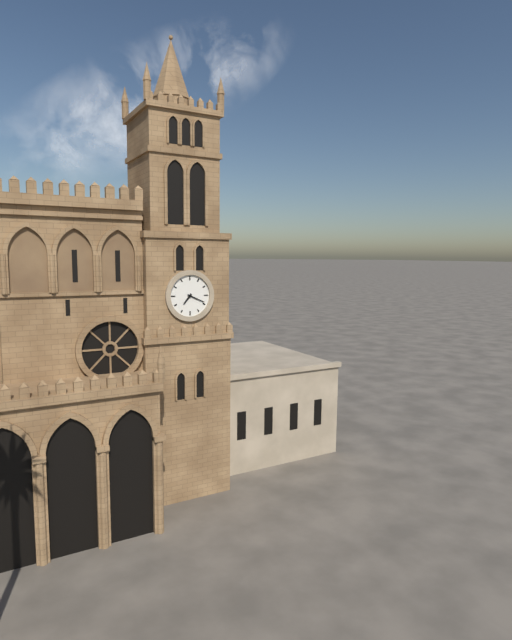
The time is **7:19**
